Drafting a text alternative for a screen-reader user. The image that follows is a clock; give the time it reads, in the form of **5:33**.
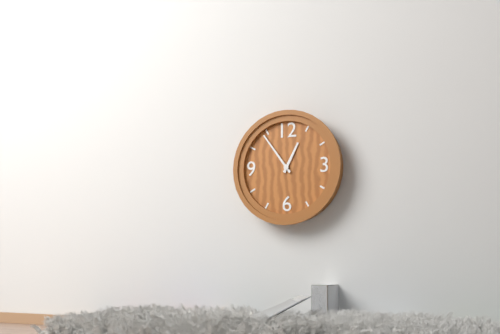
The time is **12:54**
